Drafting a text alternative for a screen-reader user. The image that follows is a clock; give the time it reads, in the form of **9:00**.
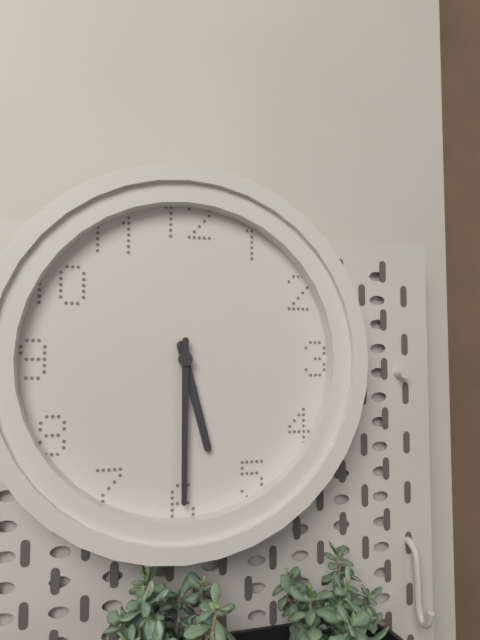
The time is **5:30**
